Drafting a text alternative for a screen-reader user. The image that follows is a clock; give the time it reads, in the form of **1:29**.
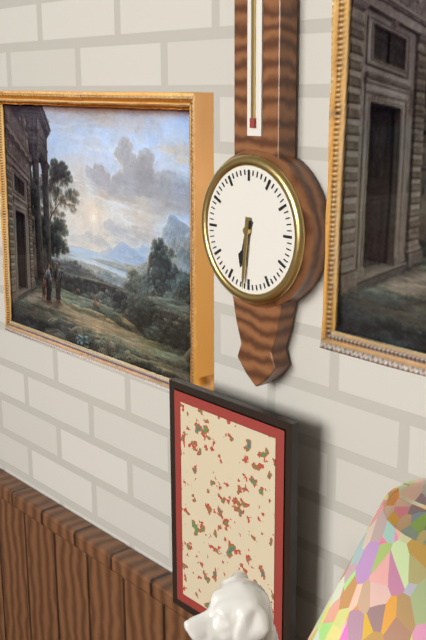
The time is **6:31**
